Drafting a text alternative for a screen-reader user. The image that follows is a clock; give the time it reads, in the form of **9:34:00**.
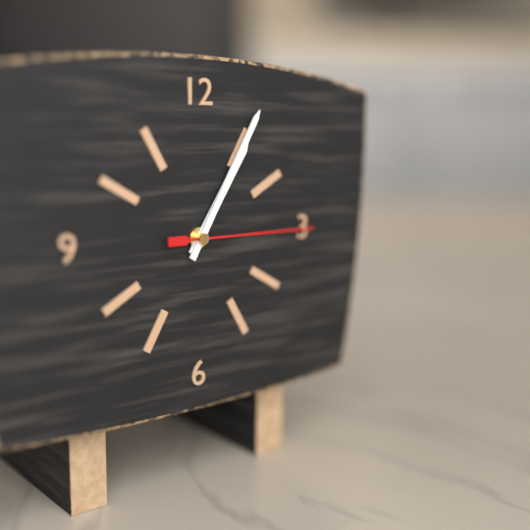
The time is **1:05:15**
